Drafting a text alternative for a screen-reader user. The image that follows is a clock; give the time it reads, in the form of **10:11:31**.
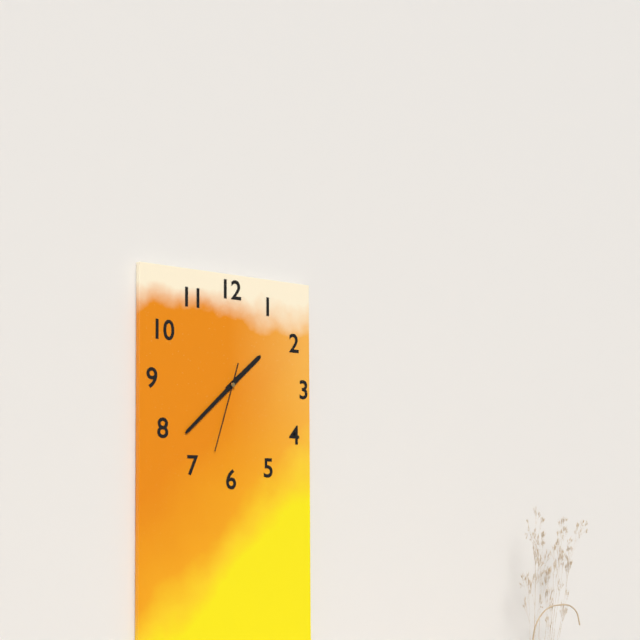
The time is **1:38:33**
